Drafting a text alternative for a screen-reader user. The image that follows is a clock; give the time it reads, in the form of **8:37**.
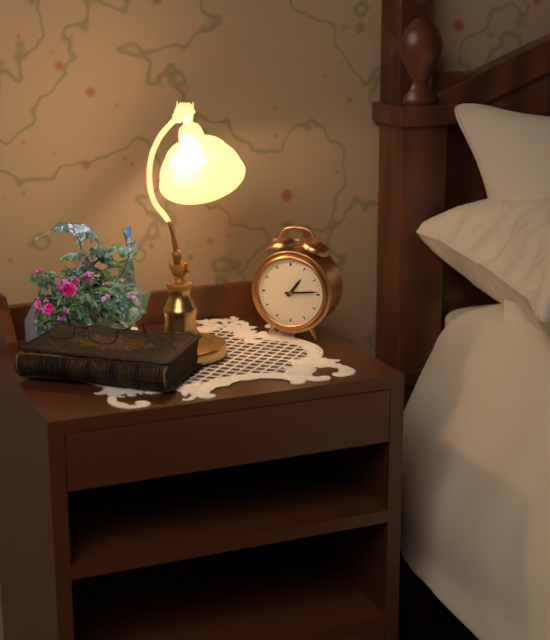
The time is **1:14**
